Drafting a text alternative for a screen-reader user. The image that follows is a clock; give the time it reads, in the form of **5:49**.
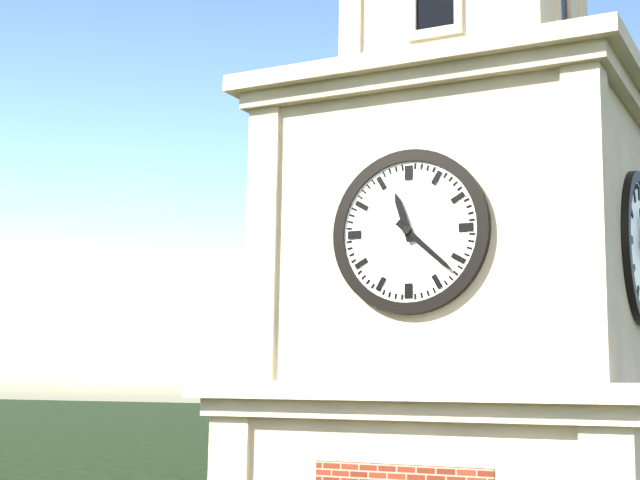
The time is **11:22**
